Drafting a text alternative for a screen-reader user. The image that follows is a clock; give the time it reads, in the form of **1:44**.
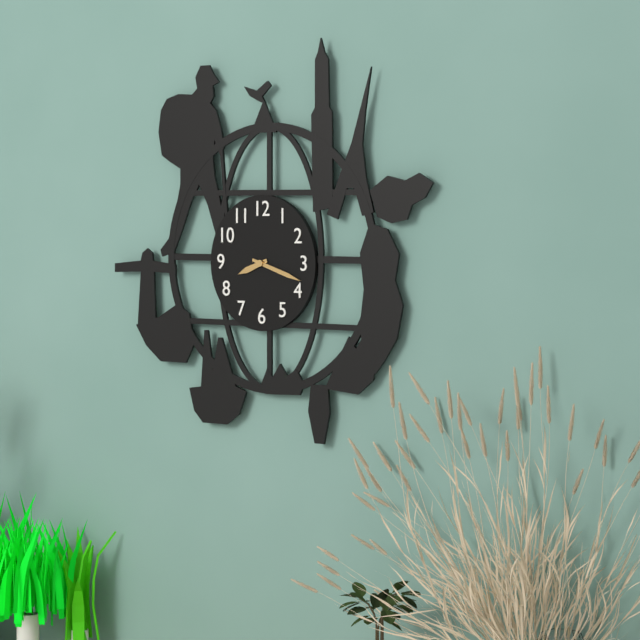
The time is **8:18**
